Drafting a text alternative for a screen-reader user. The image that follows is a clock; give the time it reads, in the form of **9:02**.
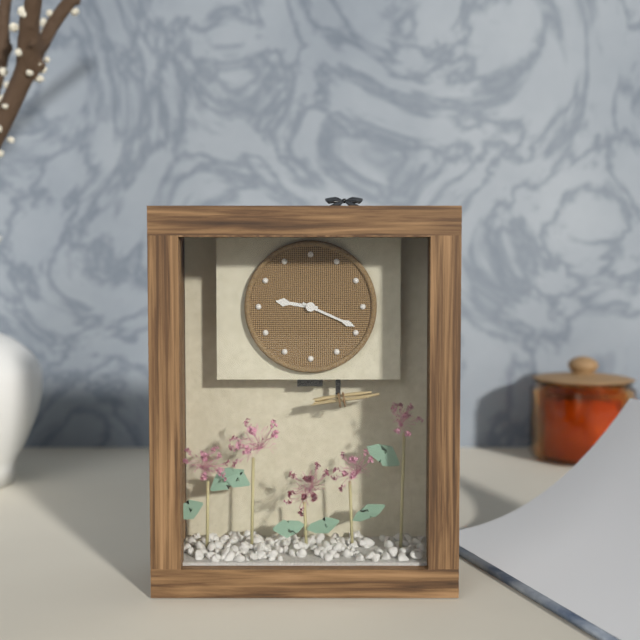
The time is **9:19**
